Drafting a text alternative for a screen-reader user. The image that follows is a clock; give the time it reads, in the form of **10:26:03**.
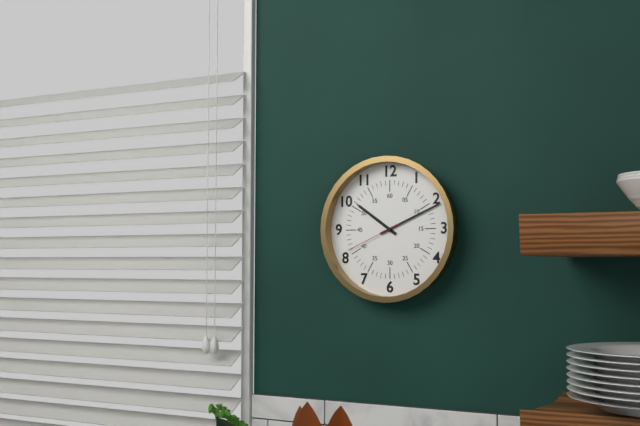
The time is **10:11:41**
